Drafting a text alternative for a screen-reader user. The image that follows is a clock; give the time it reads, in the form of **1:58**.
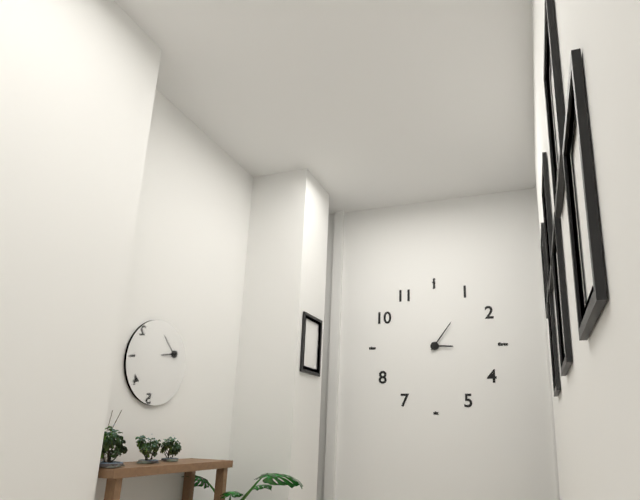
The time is **3:06**
